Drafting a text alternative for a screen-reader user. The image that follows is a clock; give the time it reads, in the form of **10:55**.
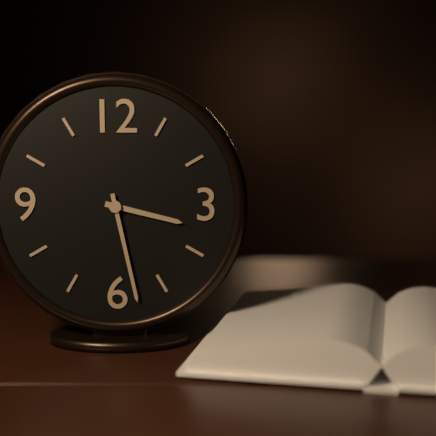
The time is **3:28**
